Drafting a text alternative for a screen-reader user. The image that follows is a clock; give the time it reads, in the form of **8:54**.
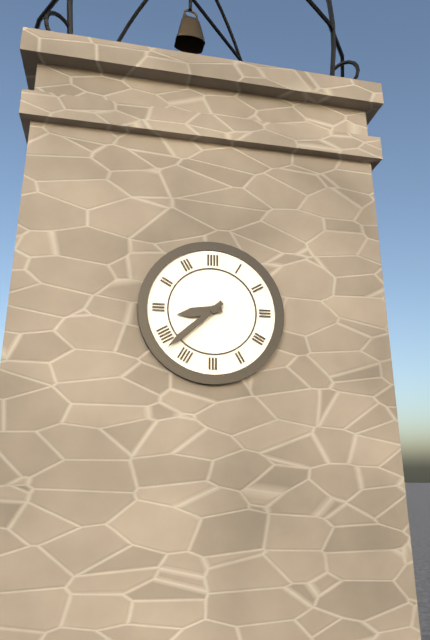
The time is **8:38**
